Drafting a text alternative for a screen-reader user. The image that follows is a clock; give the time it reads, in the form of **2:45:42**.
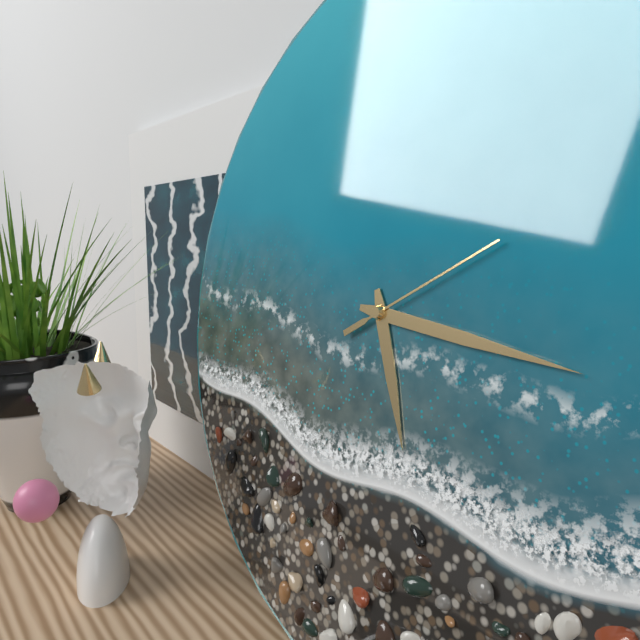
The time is **5:16:10**
